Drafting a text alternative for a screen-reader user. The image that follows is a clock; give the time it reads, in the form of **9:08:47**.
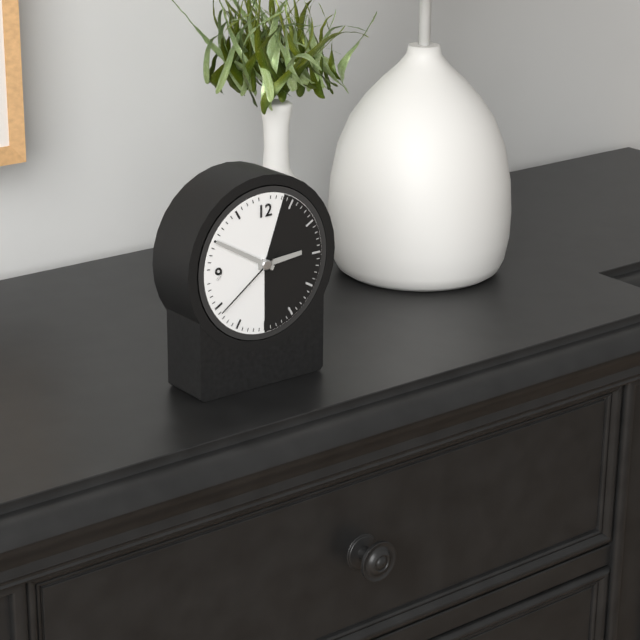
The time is **2:50:39**
